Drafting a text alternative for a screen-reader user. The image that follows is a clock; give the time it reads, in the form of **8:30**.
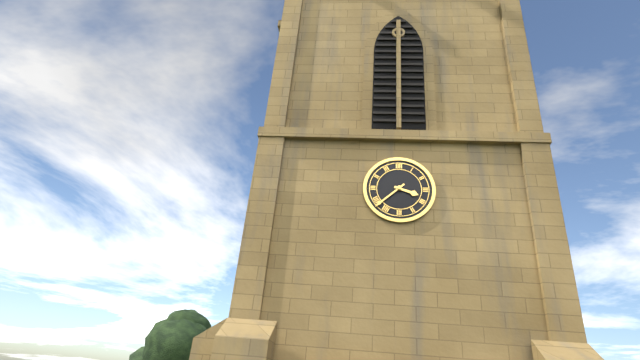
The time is **3:38**
